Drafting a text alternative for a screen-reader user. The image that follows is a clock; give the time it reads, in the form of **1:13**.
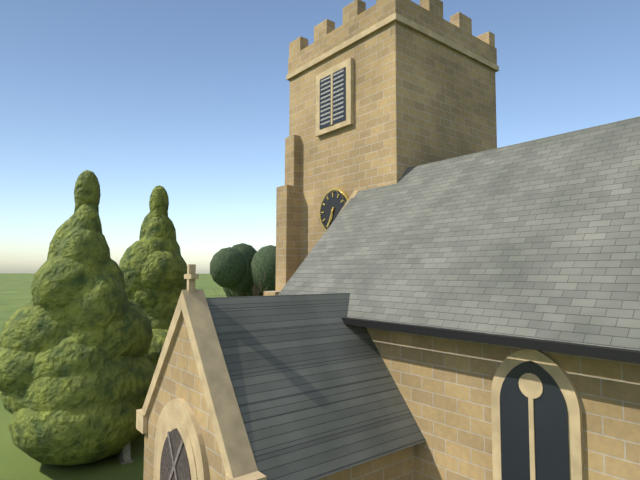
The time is **6:34**
